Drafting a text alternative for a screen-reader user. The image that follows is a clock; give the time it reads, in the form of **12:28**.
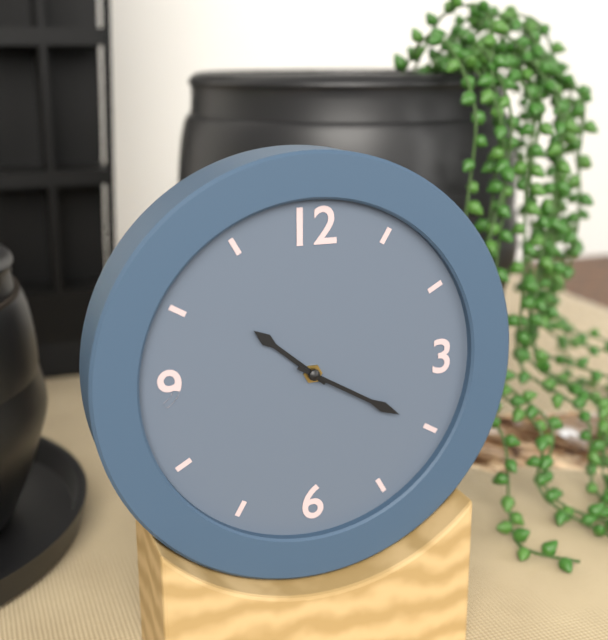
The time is **10:20**
